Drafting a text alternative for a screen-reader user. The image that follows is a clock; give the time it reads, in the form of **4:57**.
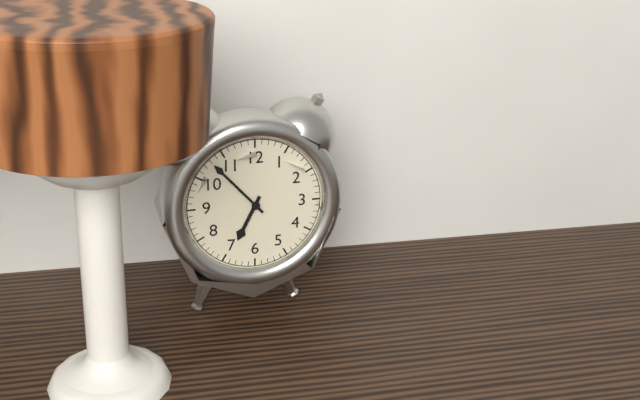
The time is **6:53**
